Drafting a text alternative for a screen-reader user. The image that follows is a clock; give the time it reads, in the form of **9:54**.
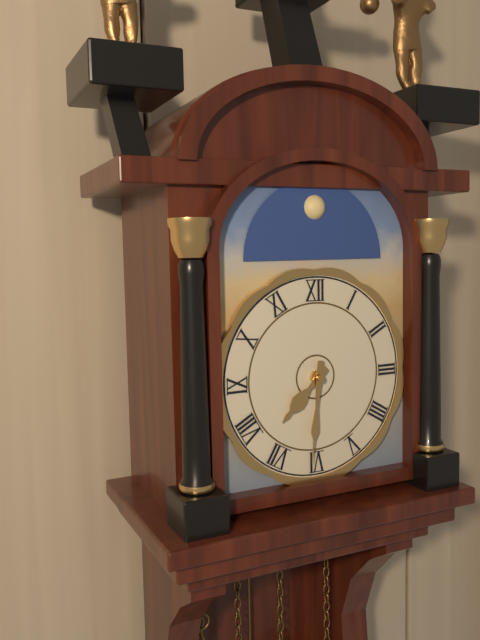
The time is **7:31**
